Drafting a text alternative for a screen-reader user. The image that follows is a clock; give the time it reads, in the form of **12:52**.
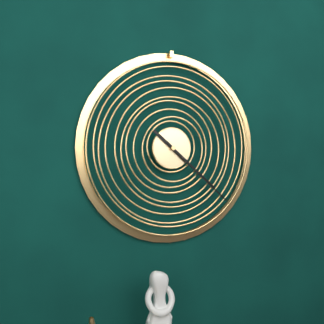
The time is **4:22**
